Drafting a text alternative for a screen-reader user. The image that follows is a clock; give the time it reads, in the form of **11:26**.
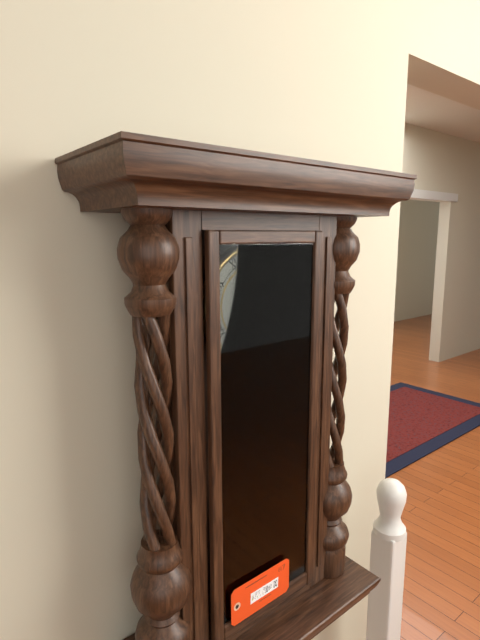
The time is **4:31**
